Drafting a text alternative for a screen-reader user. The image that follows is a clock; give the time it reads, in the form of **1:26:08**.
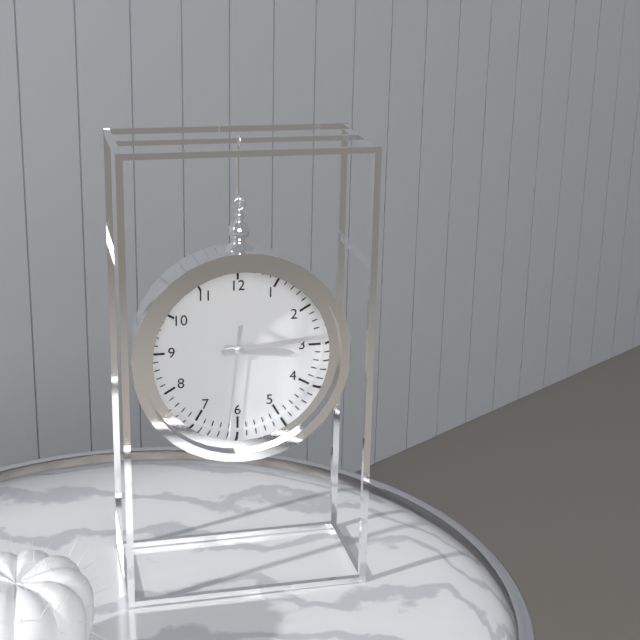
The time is **3:14:31**
